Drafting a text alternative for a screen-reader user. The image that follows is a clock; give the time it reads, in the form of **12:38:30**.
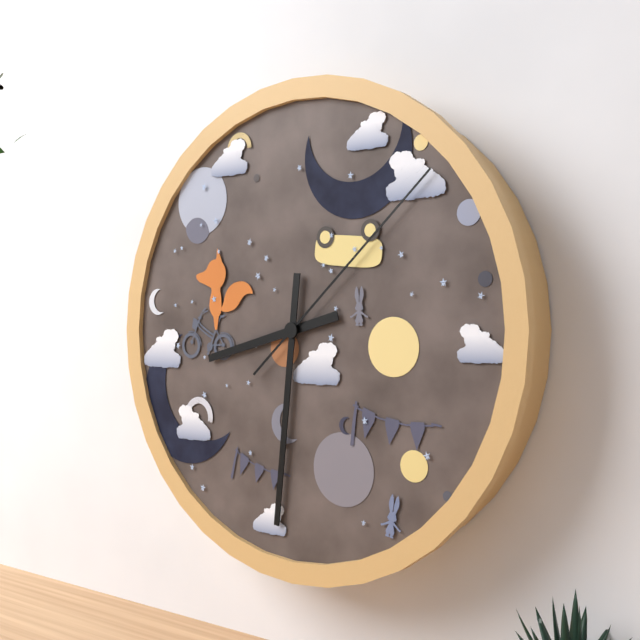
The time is **8:31:08**
